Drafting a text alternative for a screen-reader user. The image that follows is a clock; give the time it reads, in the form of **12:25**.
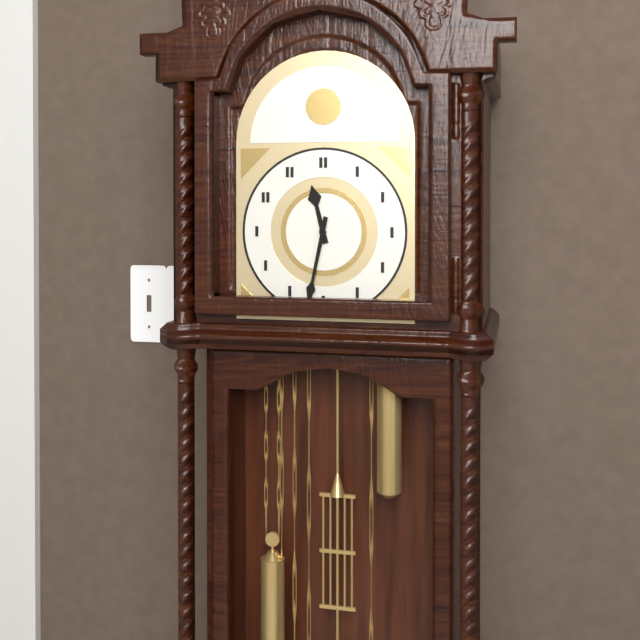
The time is **11:32**
